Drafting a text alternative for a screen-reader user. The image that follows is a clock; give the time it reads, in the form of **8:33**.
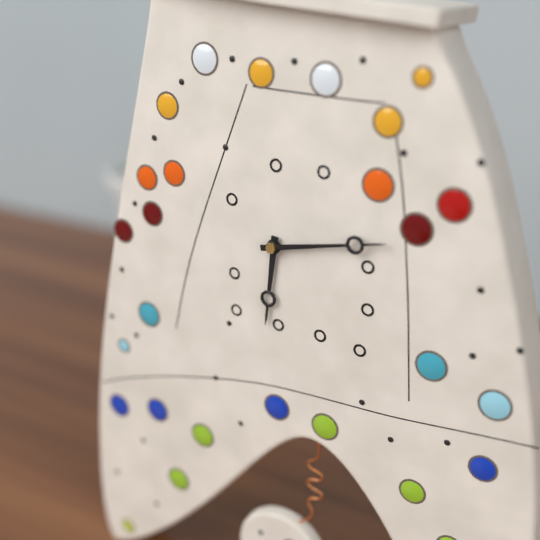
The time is **6:13**
